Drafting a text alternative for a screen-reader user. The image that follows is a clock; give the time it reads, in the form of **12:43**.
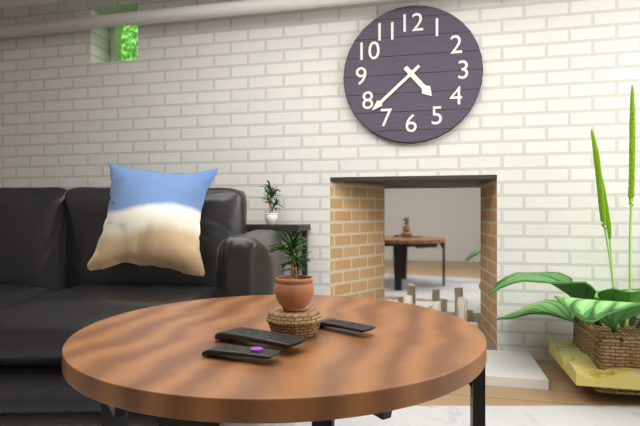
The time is **4:38**
